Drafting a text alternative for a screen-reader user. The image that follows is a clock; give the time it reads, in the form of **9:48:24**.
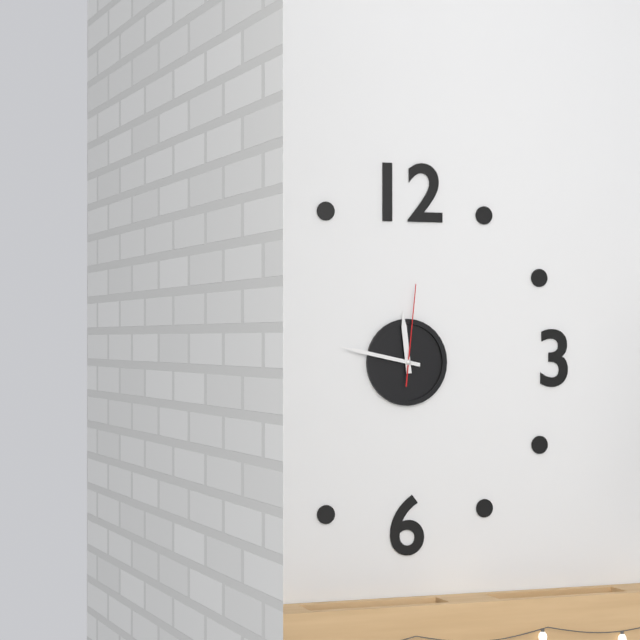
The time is **11:47:01**
